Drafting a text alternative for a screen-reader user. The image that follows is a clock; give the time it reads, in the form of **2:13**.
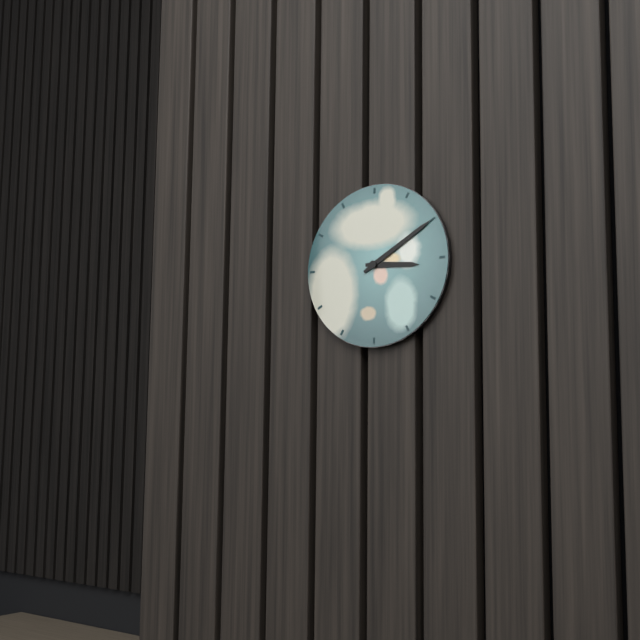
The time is **3:10**
